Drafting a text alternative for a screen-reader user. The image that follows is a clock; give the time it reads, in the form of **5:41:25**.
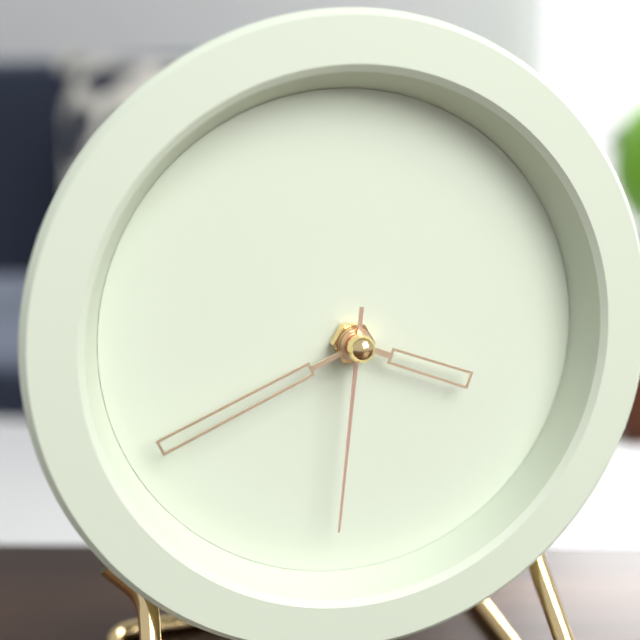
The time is **3:41:31**
